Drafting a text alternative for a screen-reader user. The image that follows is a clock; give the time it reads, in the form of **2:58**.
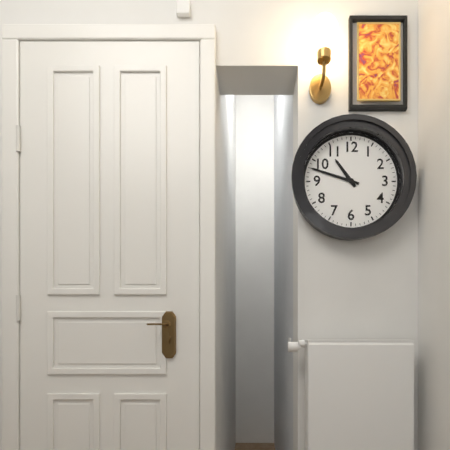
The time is **10:48**
